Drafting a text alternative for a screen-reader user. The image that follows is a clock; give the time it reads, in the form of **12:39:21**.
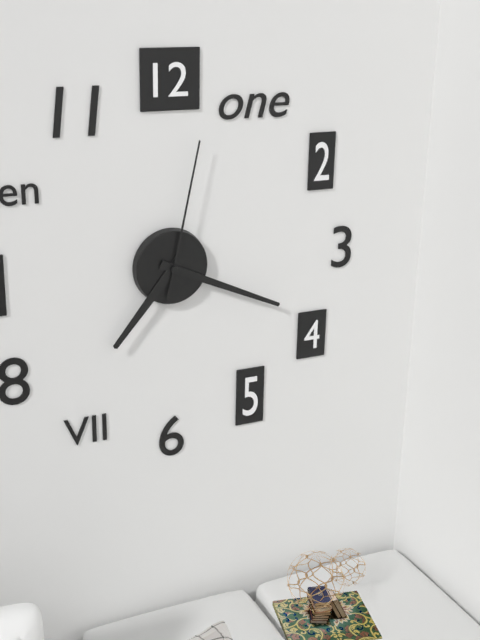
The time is **7:19:02**
